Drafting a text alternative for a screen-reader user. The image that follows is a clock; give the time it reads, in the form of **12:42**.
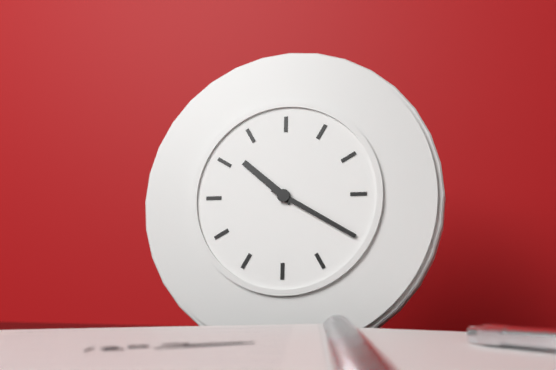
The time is **10:20**
